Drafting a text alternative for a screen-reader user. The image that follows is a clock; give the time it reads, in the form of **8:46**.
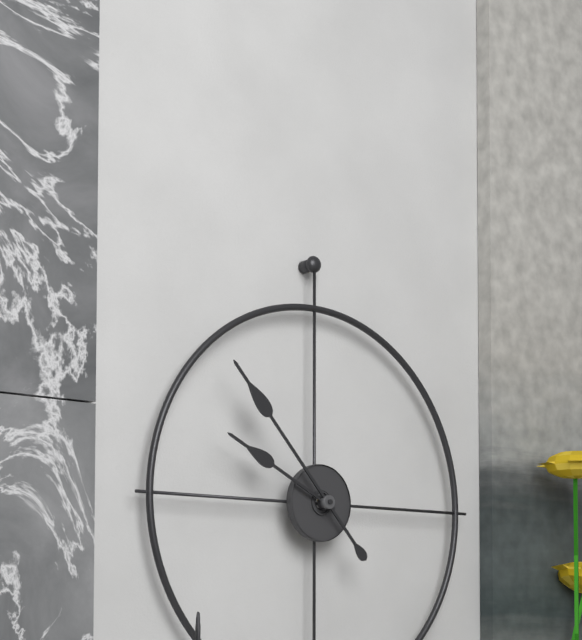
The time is **9:53**
